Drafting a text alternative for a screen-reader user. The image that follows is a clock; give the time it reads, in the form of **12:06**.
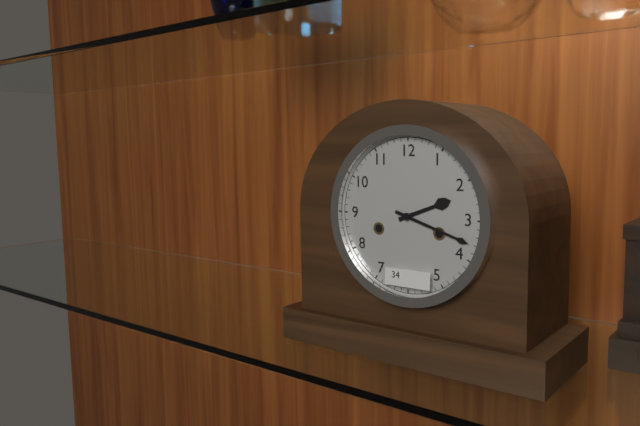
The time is **2:18**
